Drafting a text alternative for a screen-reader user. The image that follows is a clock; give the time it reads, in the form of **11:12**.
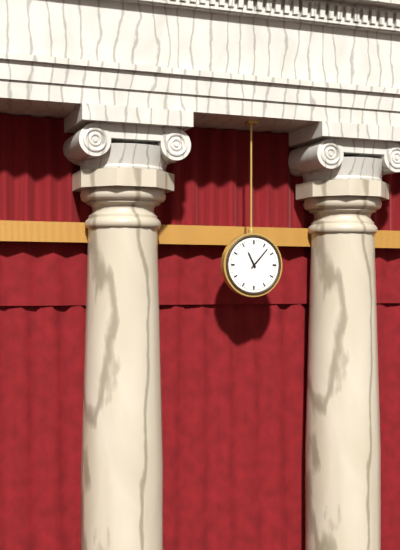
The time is **11:07**
